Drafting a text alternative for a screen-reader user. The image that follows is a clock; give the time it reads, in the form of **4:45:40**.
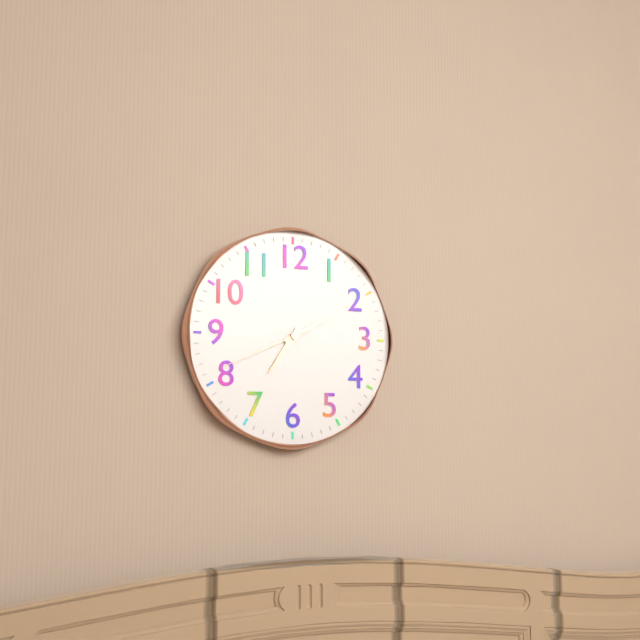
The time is **7:10:41**
